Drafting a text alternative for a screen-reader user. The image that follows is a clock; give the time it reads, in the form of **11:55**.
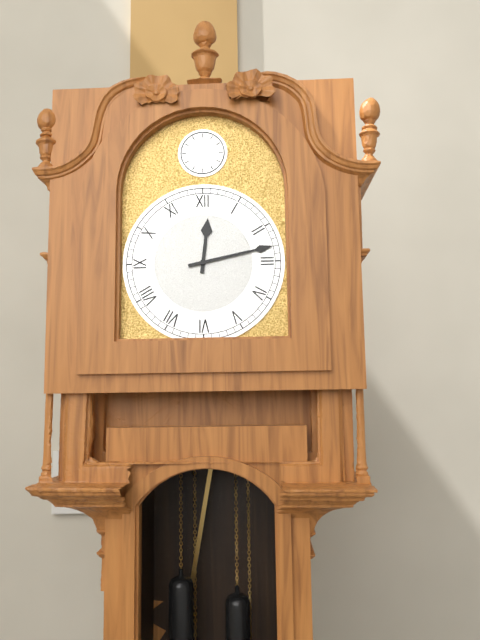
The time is **12:13**
